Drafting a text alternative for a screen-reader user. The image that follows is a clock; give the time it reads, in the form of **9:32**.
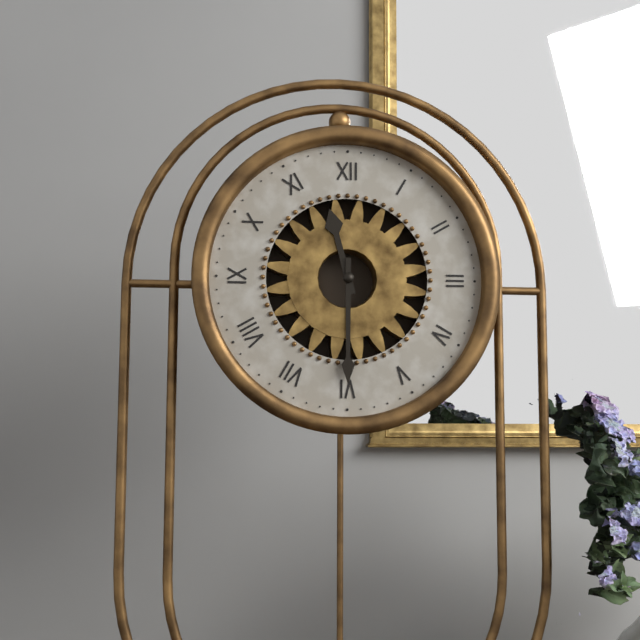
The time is **11:30**
